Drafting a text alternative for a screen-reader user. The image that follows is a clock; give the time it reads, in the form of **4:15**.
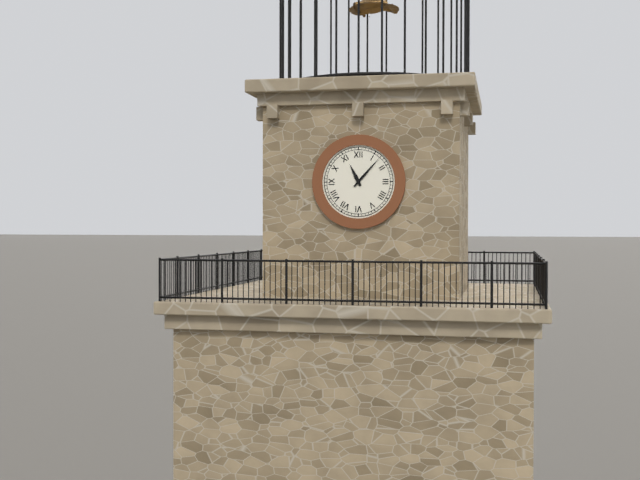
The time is **11:07**
